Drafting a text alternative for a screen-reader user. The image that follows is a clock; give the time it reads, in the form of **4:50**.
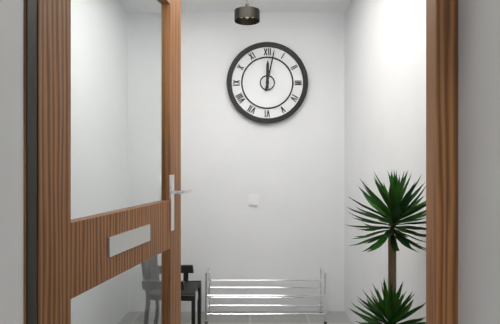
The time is **12:02**
